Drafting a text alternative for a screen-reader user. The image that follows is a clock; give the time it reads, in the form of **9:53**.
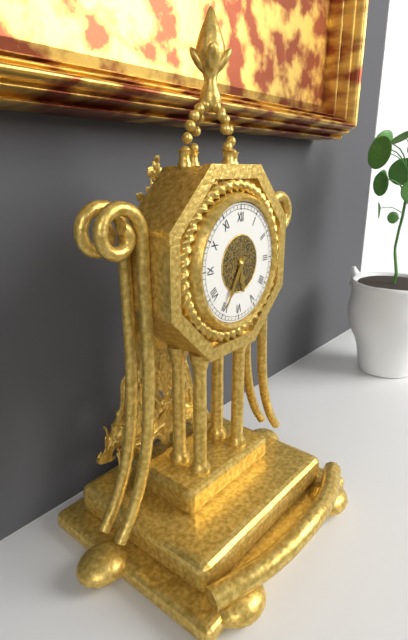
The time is **5:35**
